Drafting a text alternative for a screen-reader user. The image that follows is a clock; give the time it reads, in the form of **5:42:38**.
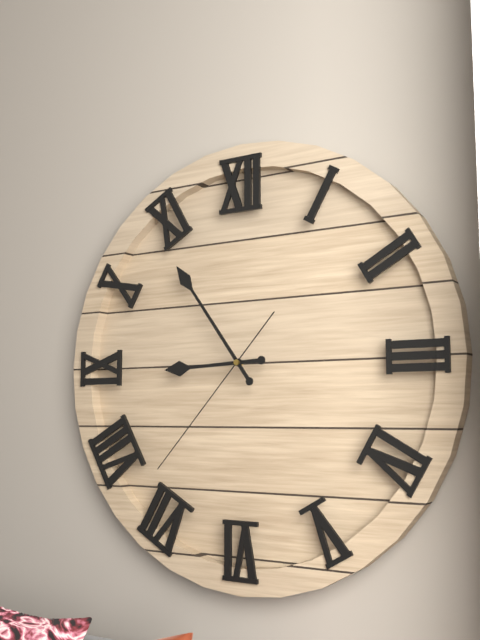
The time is **8:54:37**
